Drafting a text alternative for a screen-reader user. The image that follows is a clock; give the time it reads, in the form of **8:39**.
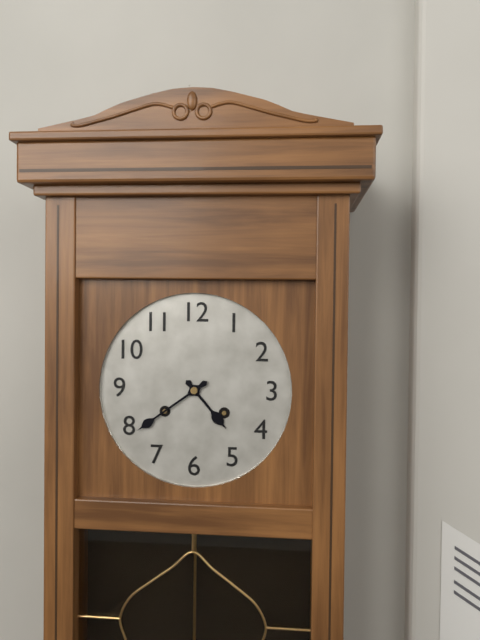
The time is **4:39**
